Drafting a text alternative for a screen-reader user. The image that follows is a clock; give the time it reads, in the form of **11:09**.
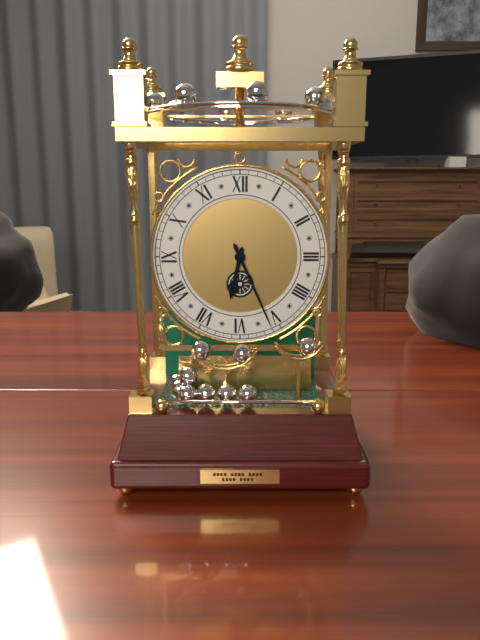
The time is **6:26**
